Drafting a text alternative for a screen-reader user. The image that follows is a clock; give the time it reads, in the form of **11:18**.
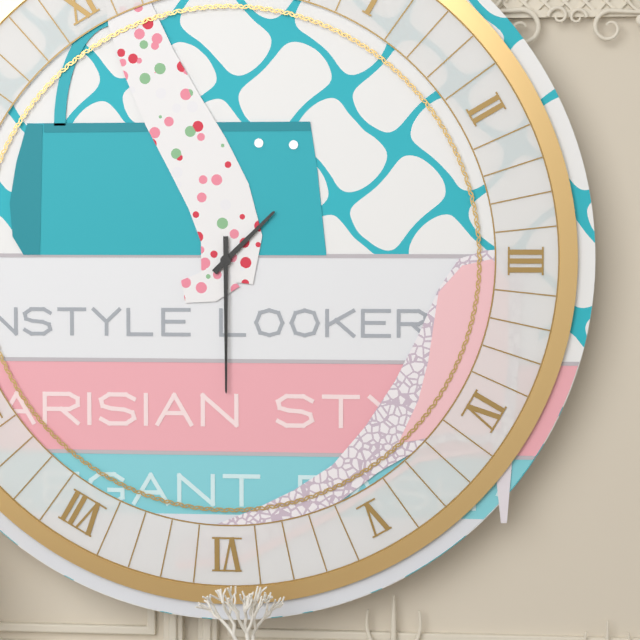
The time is **1:30**
